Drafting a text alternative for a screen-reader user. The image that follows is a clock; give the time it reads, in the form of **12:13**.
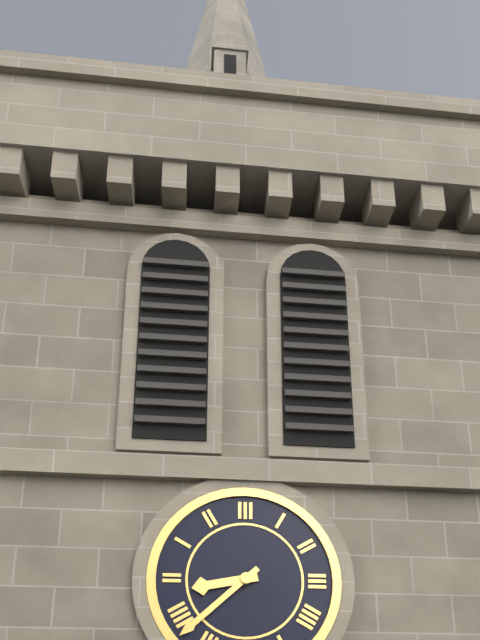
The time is **8:38**
